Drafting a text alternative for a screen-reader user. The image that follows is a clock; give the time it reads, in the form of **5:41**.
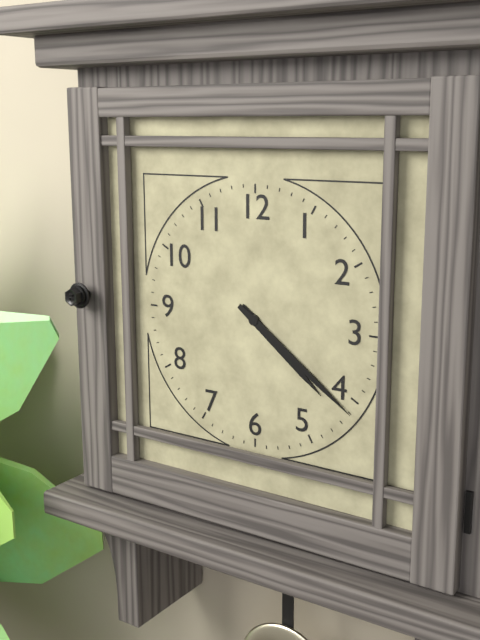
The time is **4:21**
